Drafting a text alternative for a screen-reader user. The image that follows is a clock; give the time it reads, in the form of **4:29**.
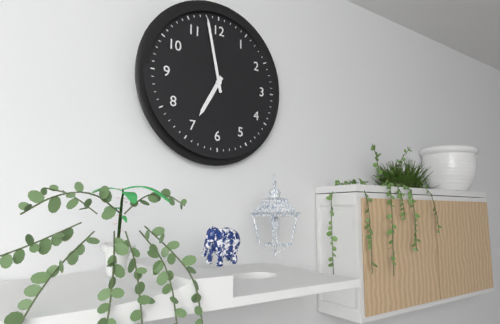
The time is **6:58**
